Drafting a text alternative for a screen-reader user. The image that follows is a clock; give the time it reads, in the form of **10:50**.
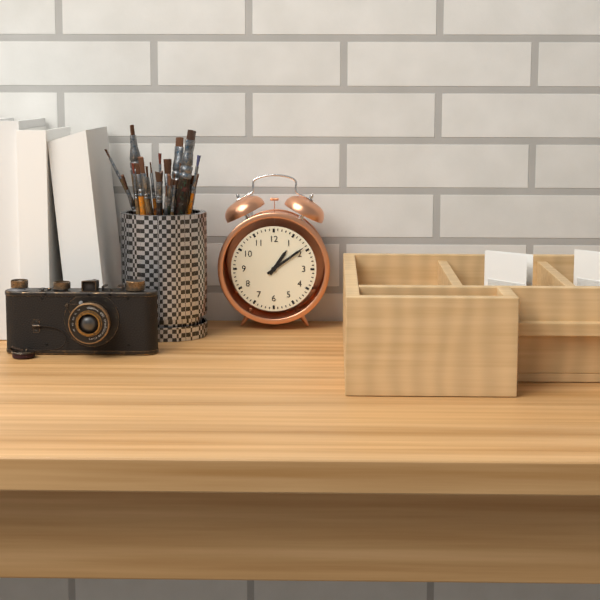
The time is **1:09**
